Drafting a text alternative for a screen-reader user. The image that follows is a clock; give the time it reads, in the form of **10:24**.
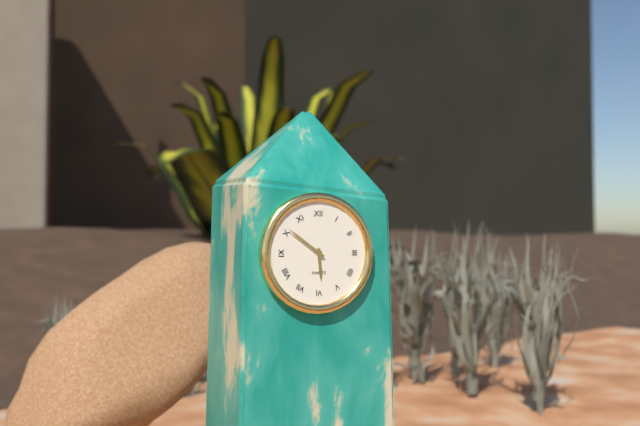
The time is **5:51**
